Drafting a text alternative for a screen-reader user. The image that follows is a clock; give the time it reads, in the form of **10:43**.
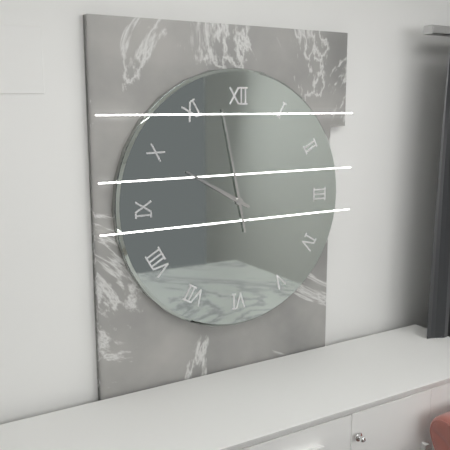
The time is **9:58**
